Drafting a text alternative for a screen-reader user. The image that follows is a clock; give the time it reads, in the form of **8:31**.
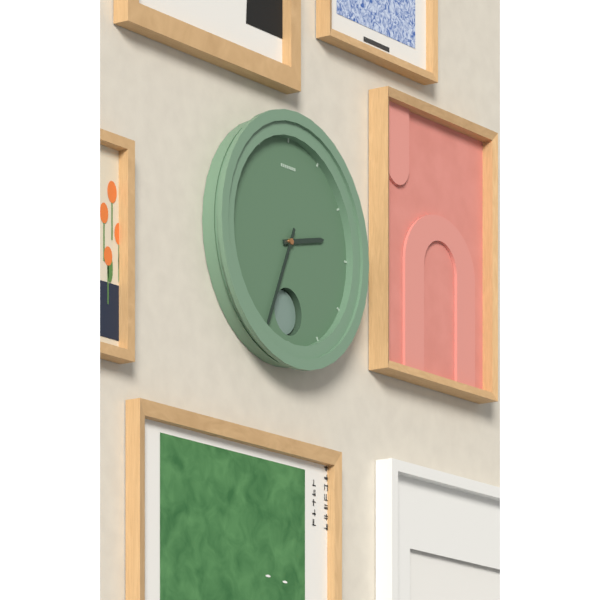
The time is **2:34**
